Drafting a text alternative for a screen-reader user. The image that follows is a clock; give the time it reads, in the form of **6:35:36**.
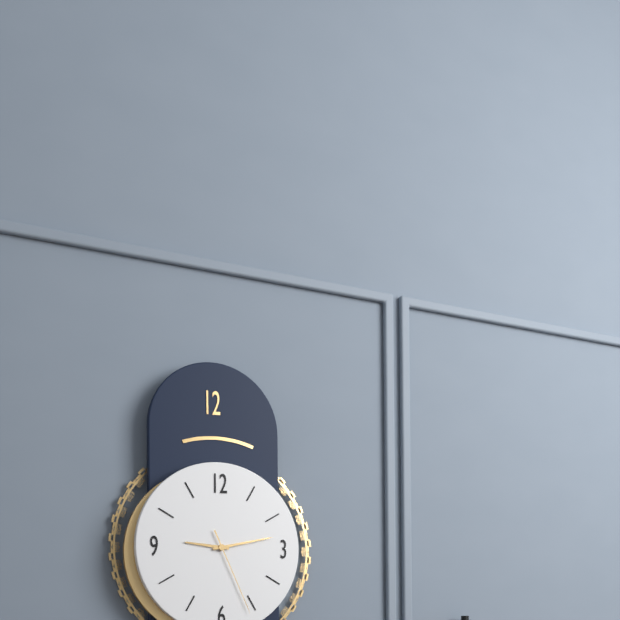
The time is **9:13:26**
